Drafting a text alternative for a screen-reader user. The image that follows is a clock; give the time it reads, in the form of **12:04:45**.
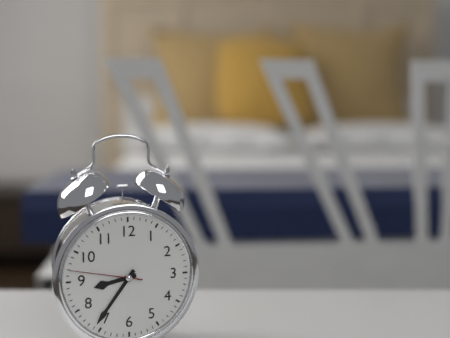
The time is **8:36:47**
